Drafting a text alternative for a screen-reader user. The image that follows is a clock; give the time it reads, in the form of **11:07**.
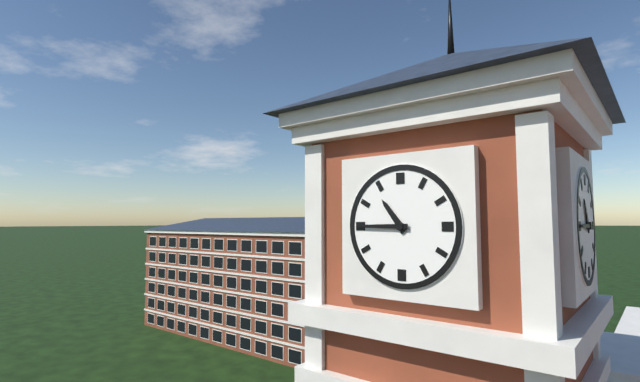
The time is **10:45**
